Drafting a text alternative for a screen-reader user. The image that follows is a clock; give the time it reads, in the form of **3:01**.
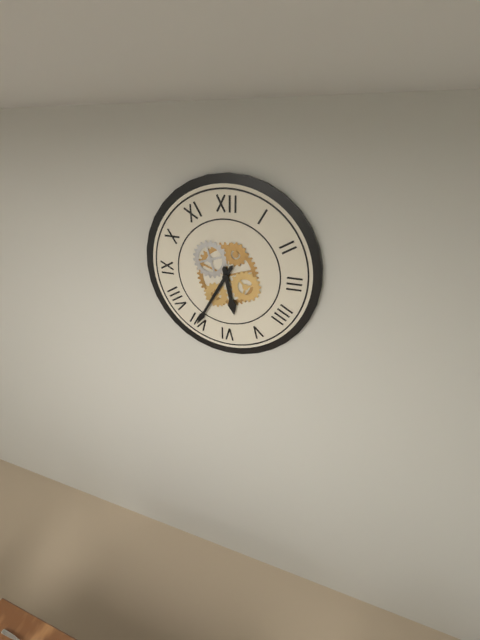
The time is **5:35**
